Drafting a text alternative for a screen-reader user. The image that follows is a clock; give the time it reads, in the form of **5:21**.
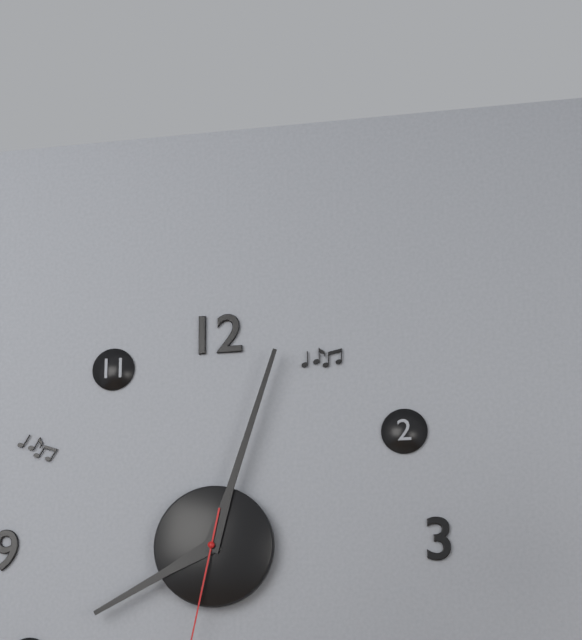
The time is **8:03**
